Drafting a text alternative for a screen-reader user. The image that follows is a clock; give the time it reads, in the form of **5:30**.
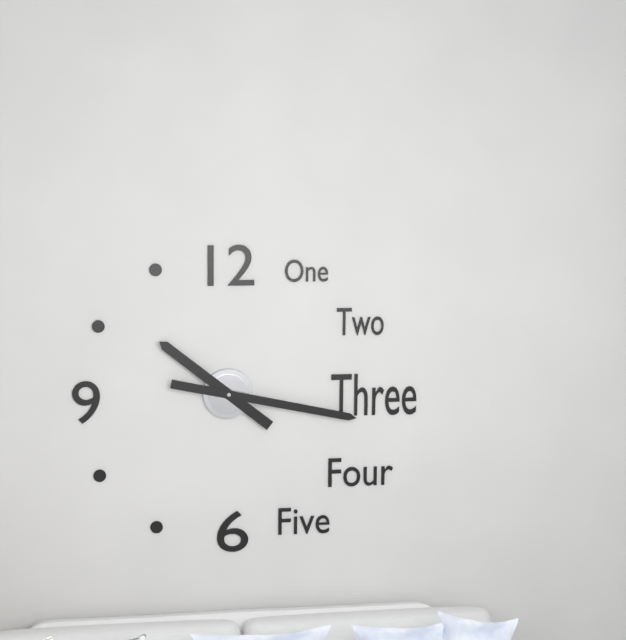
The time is **10:17**
